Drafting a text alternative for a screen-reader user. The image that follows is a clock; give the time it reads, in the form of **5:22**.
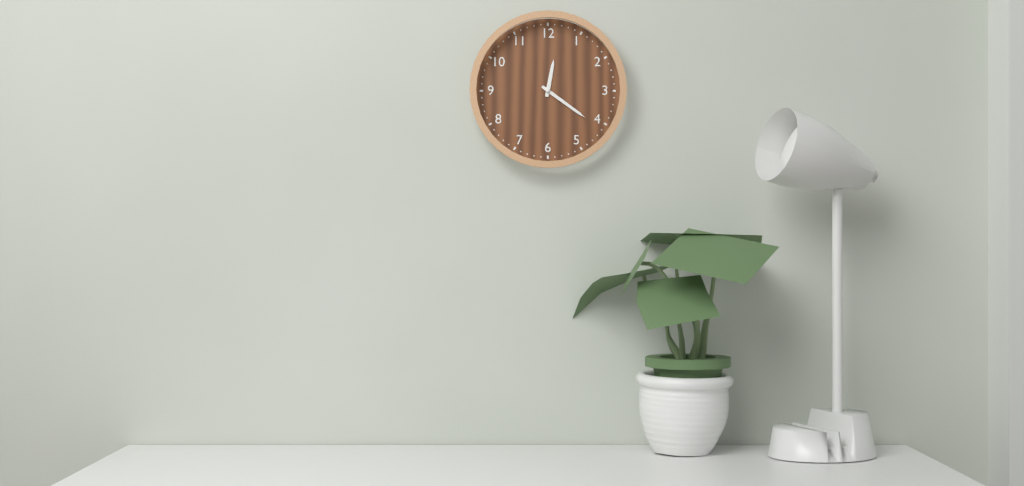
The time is **12:21**
